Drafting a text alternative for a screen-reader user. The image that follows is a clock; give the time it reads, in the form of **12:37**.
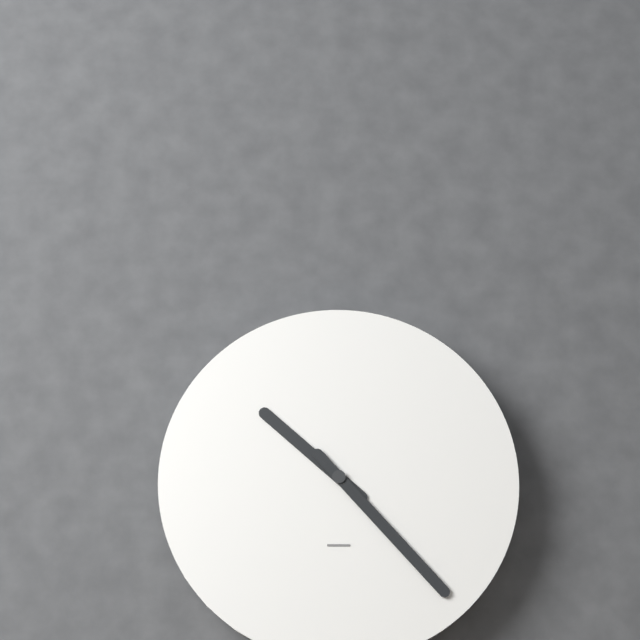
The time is **10:23**
